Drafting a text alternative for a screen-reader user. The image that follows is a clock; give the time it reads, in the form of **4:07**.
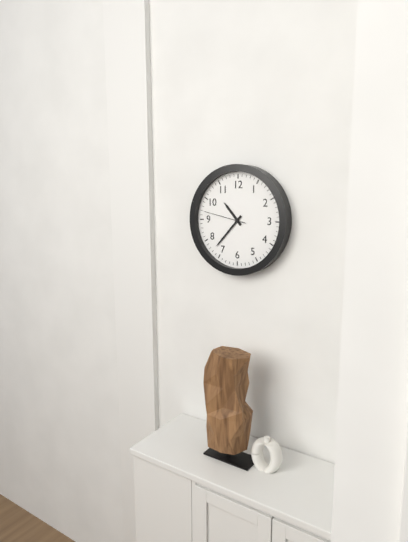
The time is **10:37**
